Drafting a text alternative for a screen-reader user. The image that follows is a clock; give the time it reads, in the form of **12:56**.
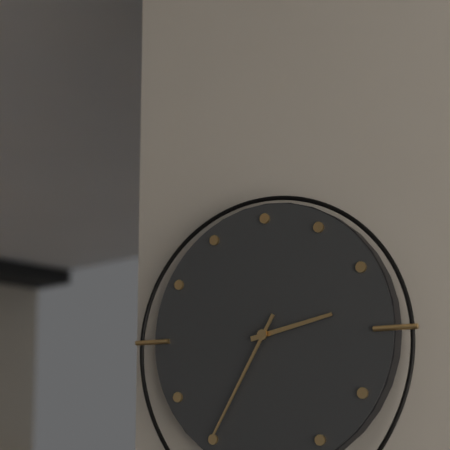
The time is **2:35**
